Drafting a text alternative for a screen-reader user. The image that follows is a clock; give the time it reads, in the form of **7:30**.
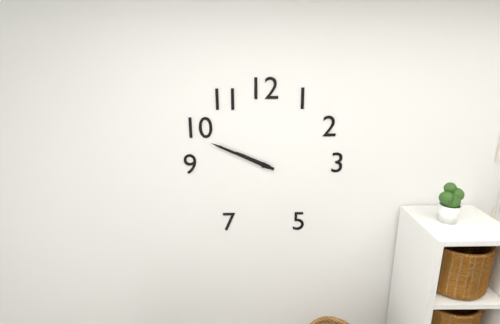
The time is **9:49**
